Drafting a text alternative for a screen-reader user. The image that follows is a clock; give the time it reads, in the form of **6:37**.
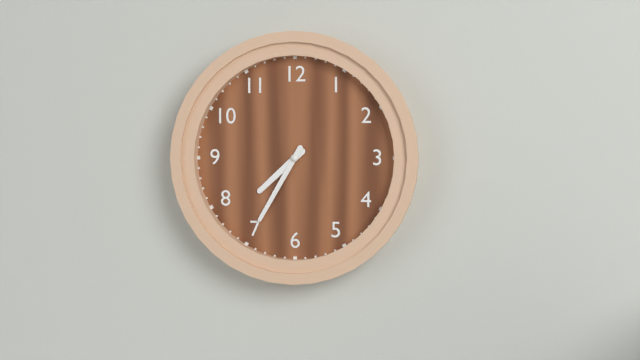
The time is **7:35**
